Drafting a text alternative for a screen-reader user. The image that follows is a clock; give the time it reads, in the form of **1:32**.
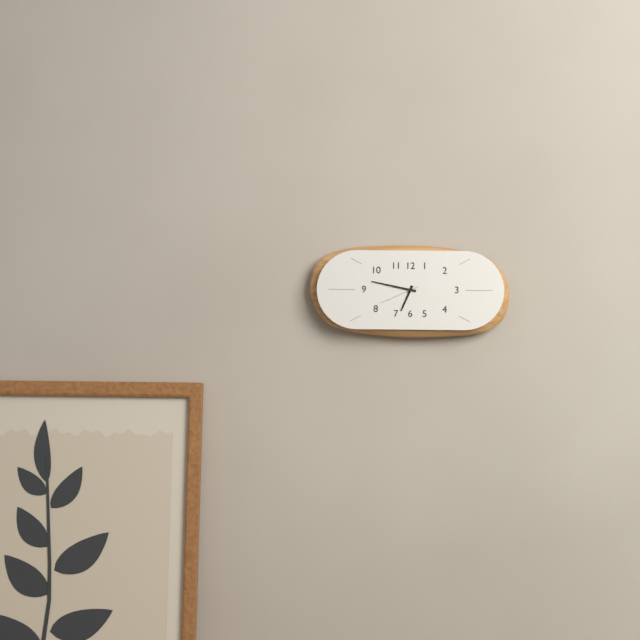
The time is **6:47**
